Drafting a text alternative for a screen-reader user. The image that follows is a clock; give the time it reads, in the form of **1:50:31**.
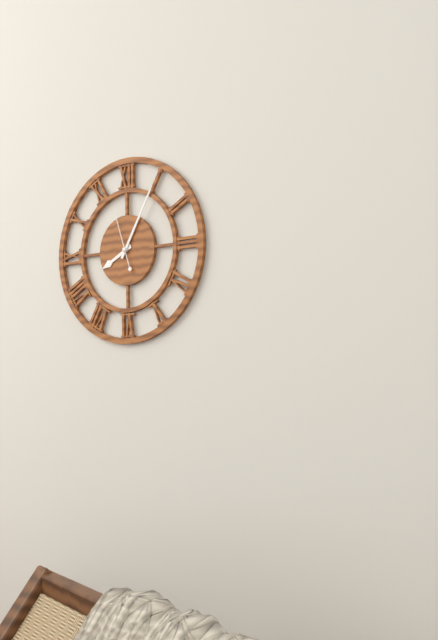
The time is **8:05:57**
